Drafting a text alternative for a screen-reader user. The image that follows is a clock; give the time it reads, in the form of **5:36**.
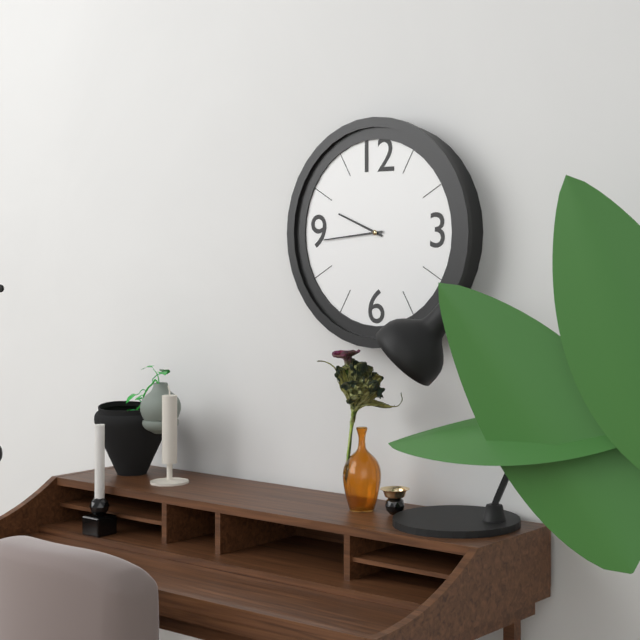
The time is **9:44**
